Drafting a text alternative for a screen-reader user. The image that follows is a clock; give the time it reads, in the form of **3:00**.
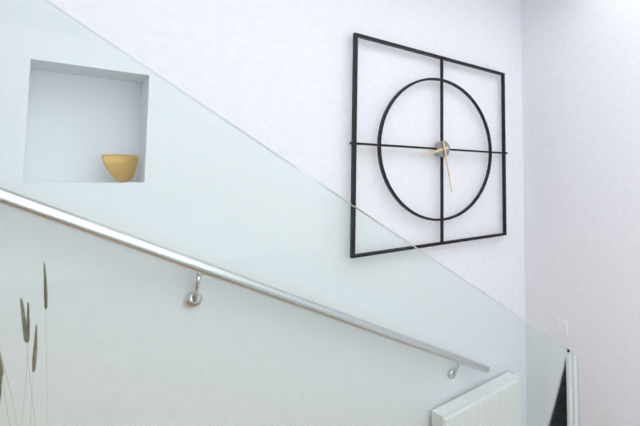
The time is **8:28**
